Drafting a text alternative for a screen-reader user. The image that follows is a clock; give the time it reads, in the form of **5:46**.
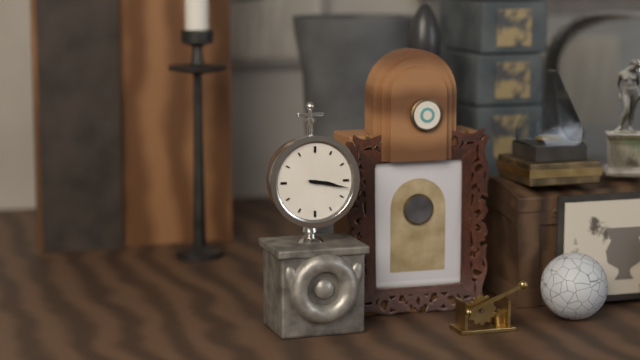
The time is **3:17**
